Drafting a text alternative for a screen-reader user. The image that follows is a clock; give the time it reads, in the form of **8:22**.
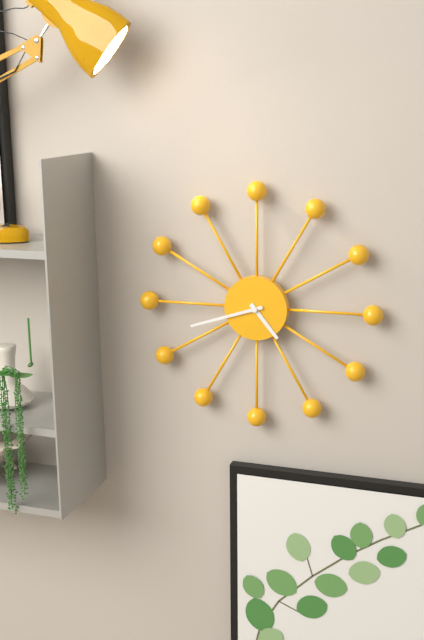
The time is **4:42**
